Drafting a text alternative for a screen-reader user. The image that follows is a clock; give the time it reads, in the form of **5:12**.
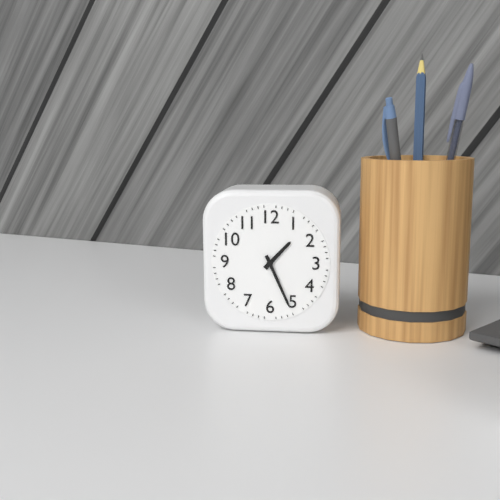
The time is **1:26**
